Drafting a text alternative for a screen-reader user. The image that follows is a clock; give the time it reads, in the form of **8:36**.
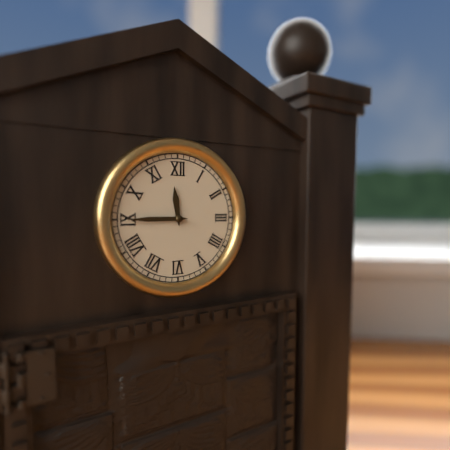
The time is **11:45**
